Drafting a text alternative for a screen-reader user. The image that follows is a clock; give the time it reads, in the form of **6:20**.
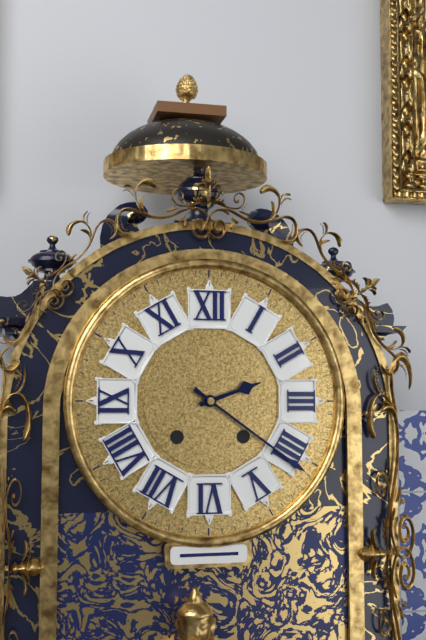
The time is **2:21**
